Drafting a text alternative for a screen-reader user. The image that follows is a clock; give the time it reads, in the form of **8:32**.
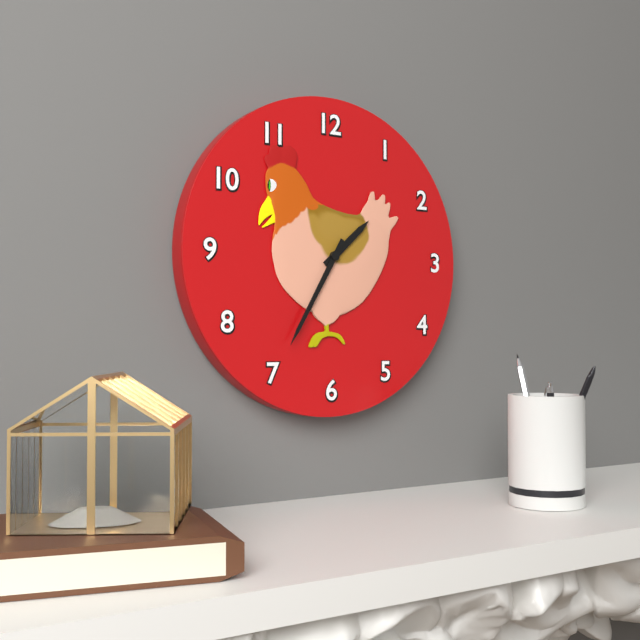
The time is **1:35**
